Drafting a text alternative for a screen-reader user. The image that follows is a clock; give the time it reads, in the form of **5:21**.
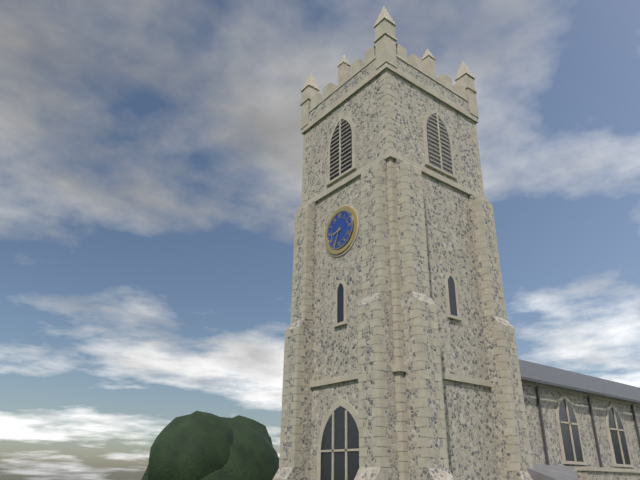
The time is **8:34**
